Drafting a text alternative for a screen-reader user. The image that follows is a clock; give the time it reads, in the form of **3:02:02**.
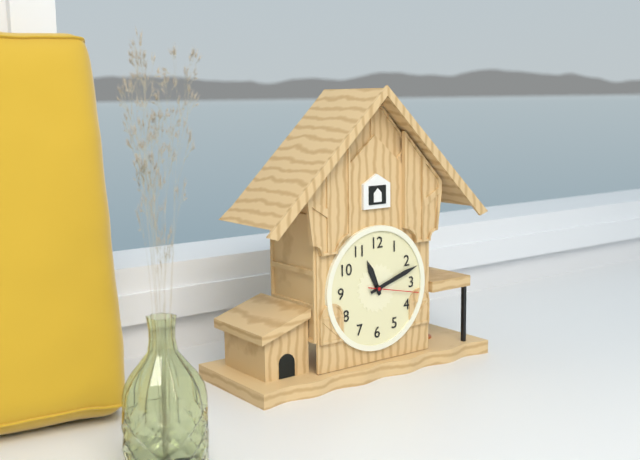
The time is **11:12:17**
